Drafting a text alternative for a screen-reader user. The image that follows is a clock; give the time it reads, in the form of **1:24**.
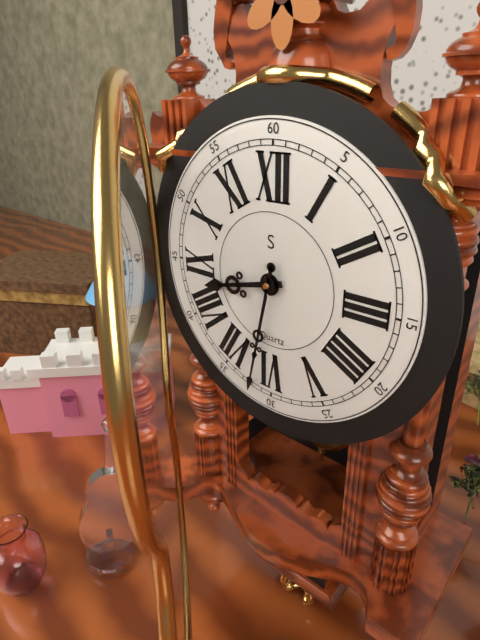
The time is **8:32**
